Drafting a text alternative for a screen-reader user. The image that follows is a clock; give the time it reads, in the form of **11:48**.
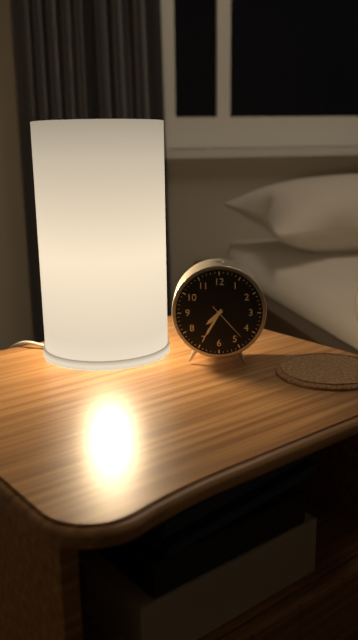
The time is **7:35**
